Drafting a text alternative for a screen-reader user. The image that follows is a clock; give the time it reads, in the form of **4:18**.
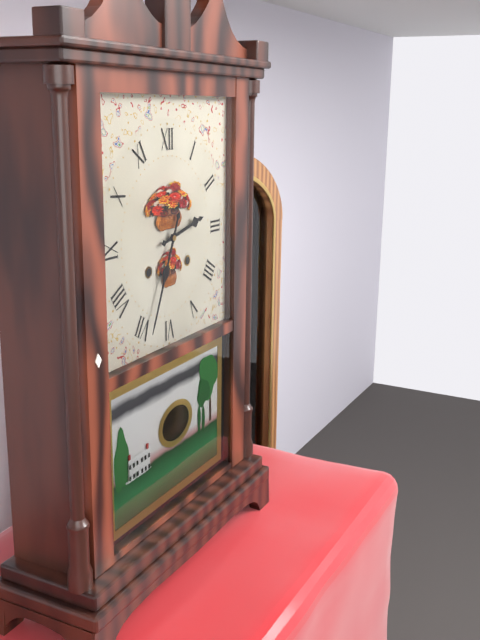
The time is **2:34**
